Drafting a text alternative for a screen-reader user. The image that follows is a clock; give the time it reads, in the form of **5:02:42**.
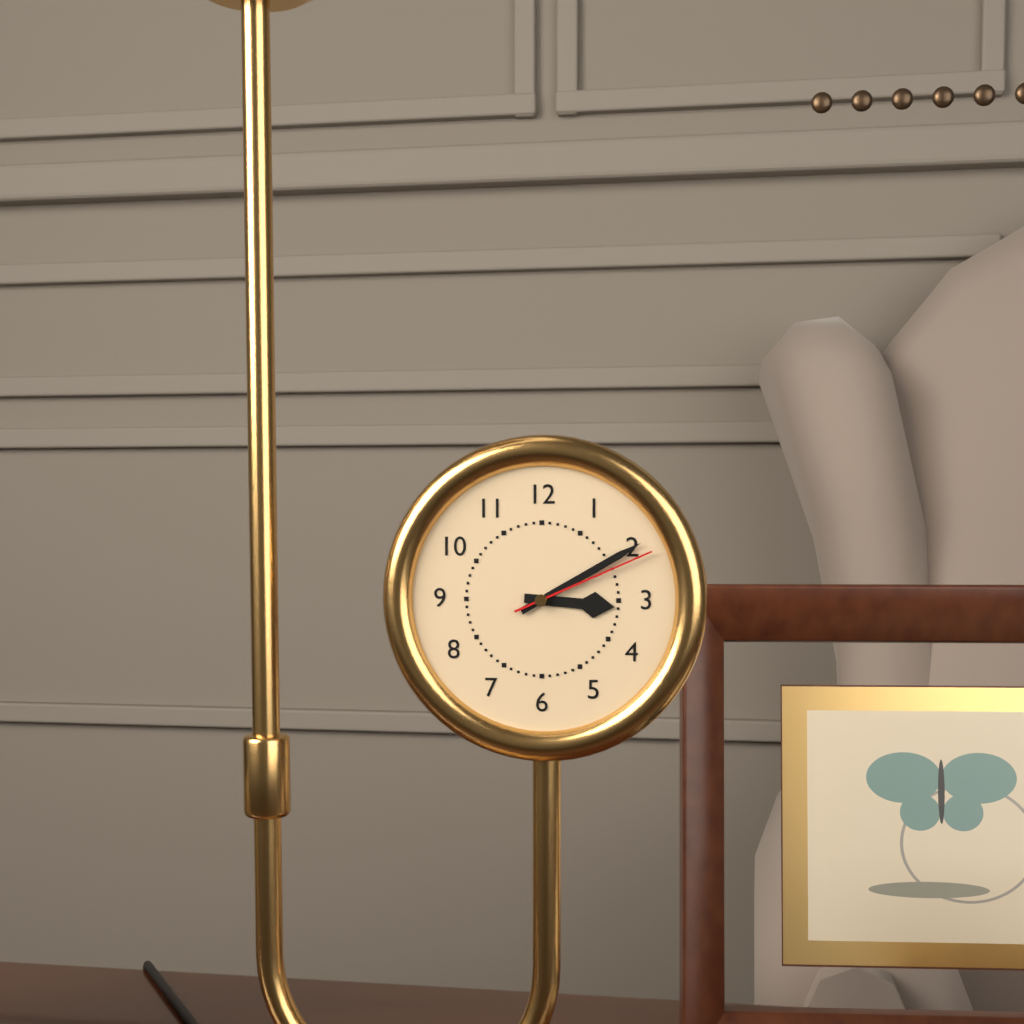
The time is **3:10:11**
